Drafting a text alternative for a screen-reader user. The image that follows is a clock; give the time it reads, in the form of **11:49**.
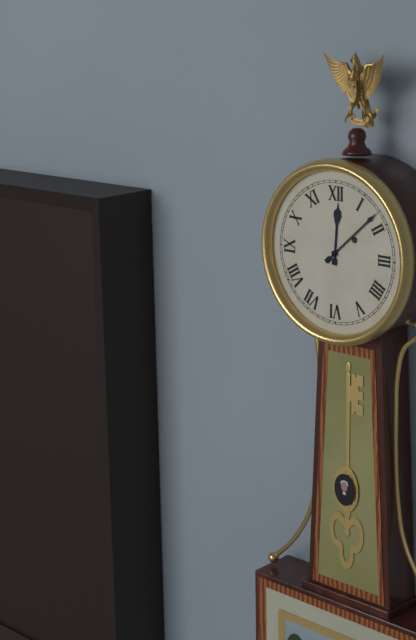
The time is **12:08**
